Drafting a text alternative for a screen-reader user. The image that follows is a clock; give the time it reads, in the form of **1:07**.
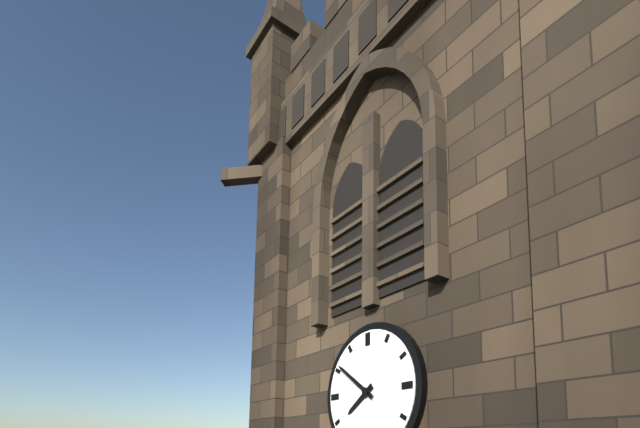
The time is **7:51**
